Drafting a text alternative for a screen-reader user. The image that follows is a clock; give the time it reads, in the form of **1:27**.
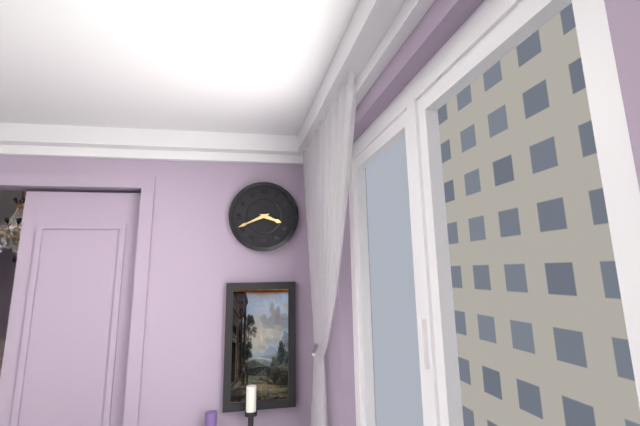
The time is **3:41**
